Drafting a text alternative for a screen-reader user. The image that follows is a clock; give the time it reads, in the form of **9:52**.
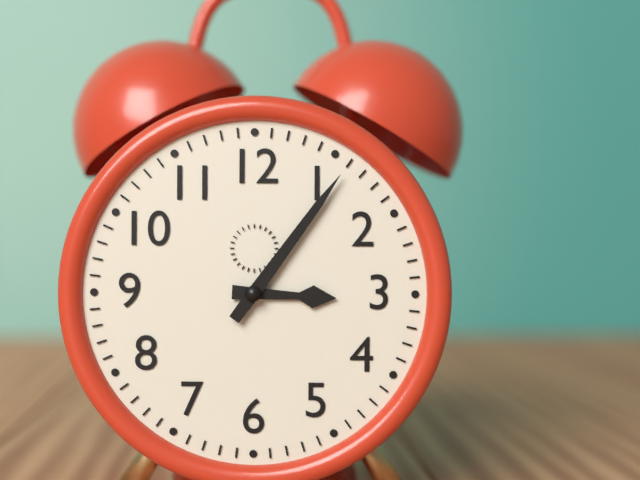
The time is **3:06**
